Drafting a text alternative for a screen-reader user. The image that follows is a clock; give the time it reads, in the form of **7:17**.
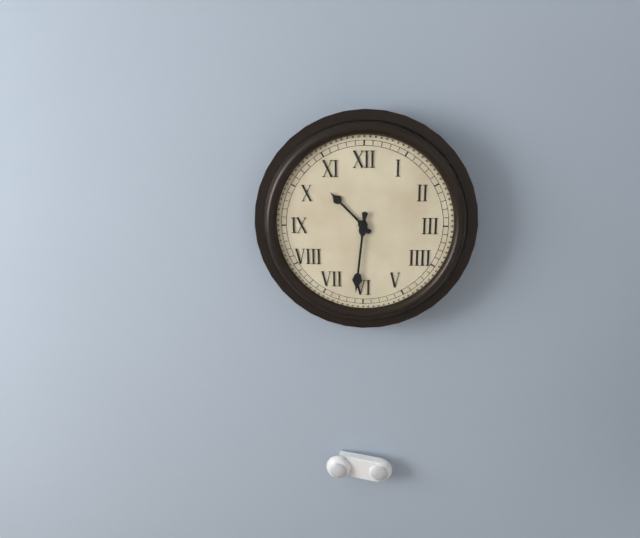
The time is **10:31**
